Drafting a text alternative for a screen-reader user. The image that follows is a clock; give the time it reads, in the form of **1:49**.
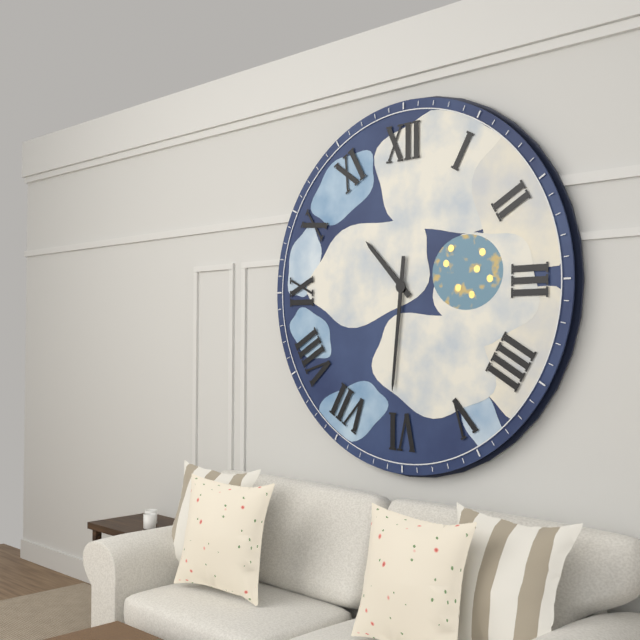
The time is **10:31**
